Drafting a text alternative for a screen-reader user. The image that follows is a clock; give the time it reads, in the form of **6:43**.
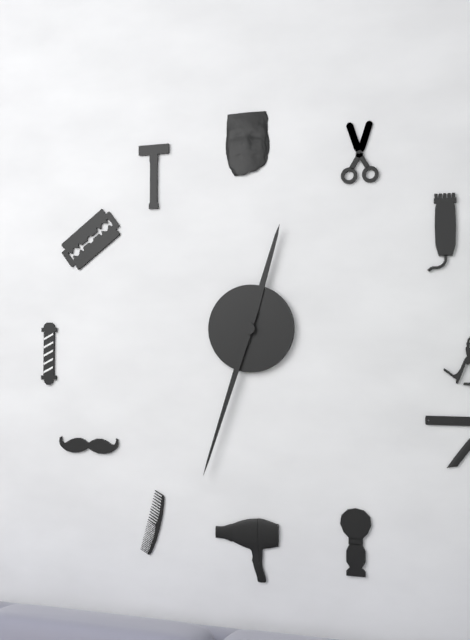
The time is **12:33**
